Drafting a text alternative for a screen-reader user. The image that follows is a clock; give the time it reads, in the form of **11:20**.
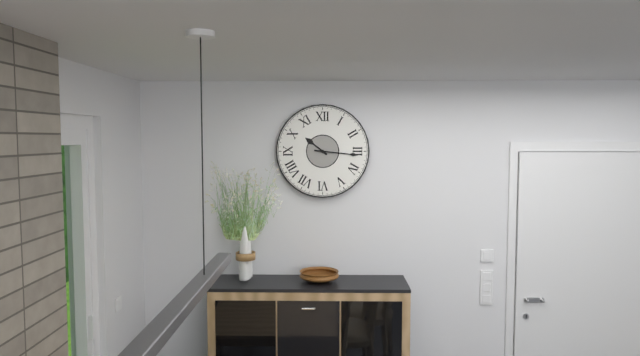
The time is **10:16**
